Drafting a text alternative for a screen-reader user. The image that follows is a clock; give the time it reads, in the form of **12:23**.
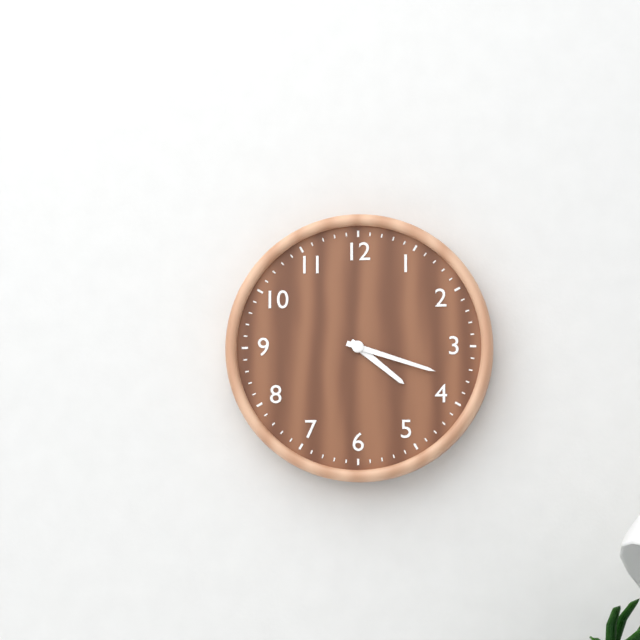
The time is **4:18**
